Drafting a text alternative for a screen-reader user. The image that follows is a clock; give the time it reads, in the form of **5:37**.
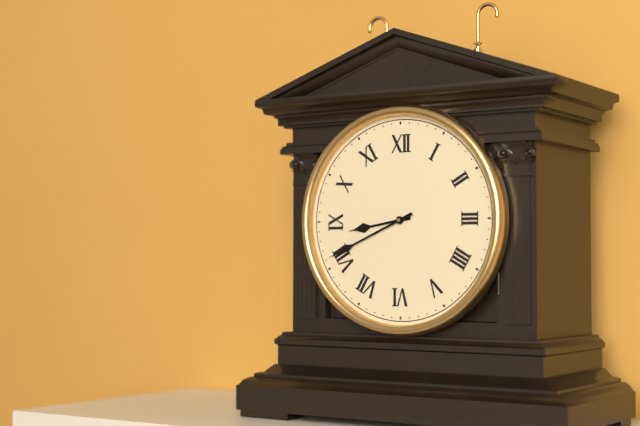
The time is **8:41**
